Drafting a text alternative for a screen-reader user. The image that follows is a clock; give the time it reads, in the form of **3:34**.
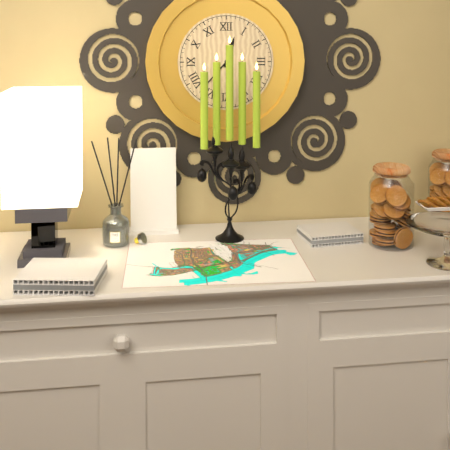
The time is **12:37**
